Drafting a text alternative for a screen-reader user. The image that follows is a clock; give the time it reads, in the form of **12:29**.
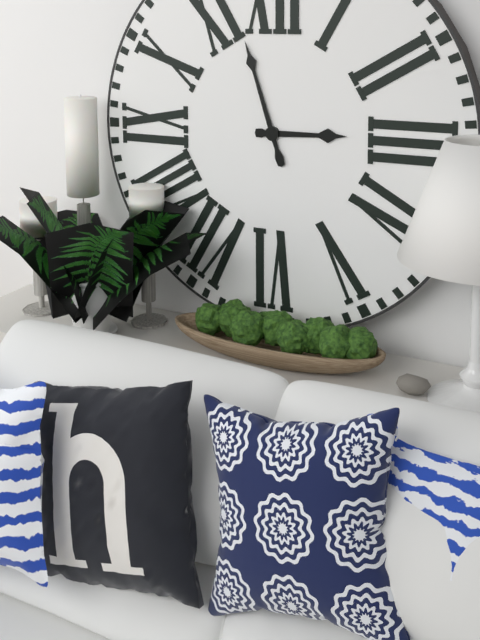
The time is **2:57**
